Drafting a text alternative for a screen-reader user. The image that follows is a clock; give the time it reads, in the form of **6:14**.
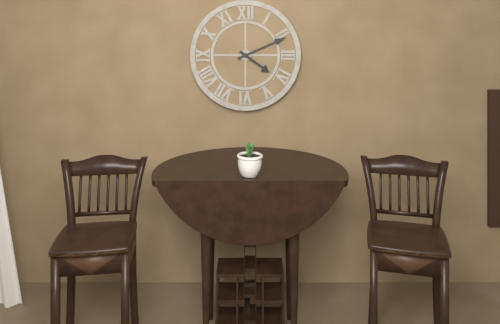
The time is **4:11**
